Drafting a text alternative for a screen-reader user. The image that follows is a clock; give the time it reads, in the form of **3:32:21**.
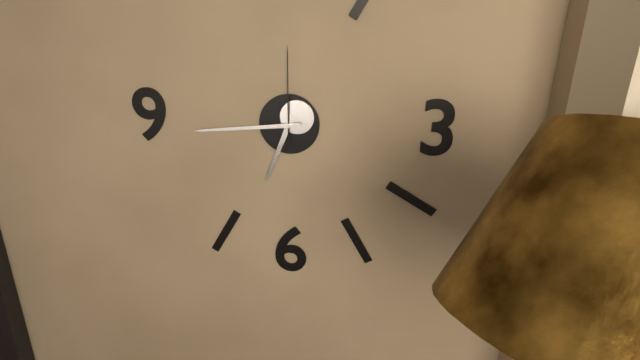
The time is **6:44:00**
